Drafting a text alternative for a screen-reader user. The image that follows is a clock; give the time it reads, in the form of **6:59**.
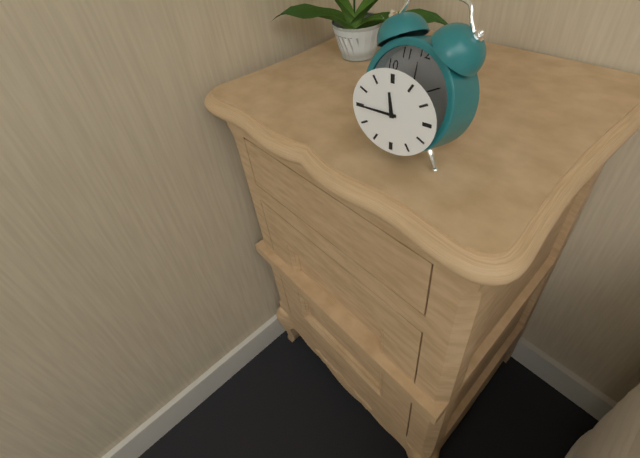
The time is **11:45**
